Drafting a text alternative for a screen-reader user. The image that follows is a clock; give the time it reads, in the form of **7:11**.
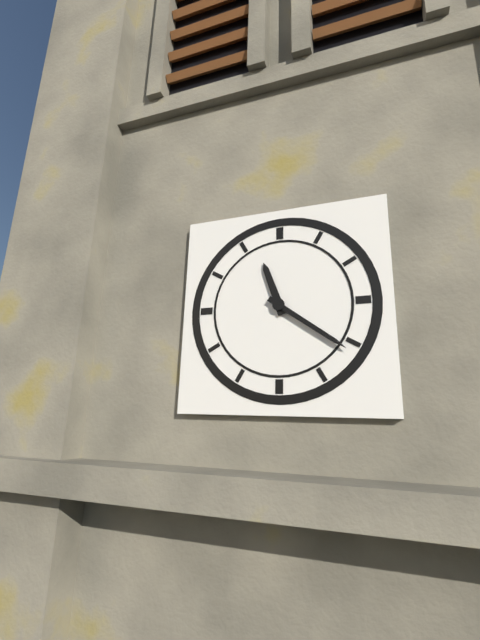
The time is **11:21**
